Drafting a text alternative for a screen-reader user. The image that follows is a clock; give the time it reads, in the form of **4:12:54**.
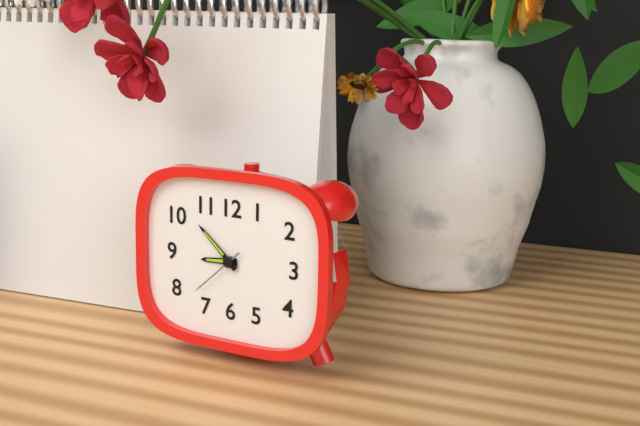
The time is **8:52:38**
